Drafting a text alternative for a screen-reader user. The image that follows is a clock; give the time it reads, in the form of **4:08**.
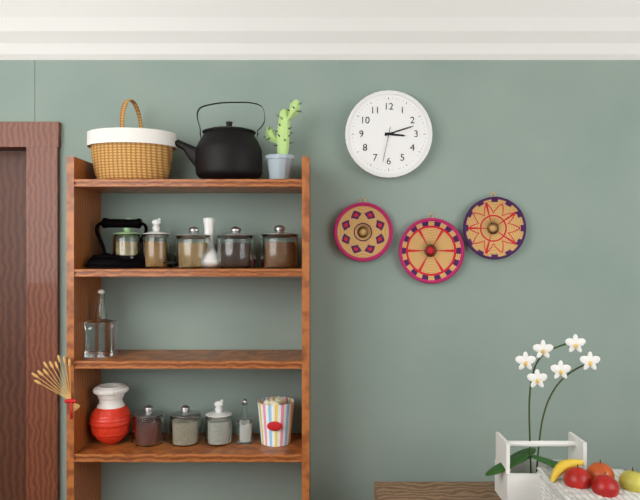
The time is **3:12**
